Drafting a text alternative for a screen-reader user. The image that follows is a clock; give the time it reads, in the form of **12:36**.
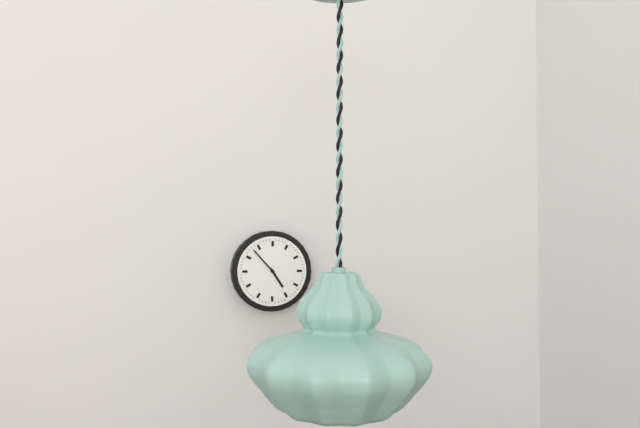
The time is **4:53**
